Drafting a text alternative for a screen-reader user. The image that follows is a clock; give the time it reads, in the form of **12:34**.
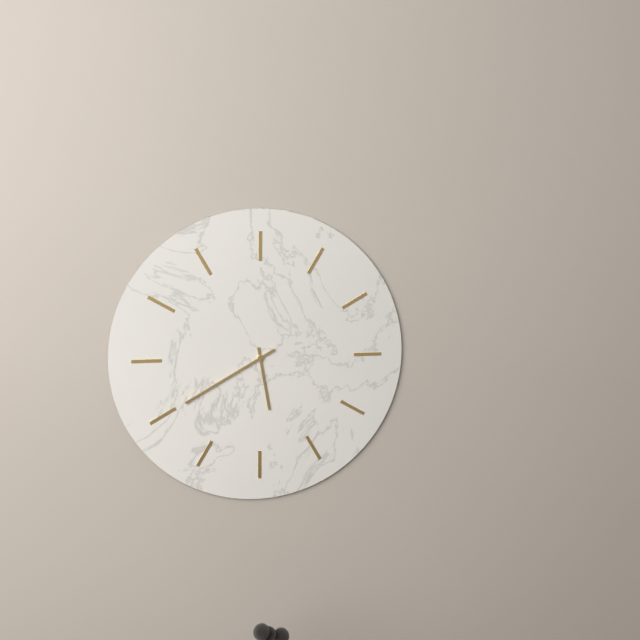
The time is **5:40**
